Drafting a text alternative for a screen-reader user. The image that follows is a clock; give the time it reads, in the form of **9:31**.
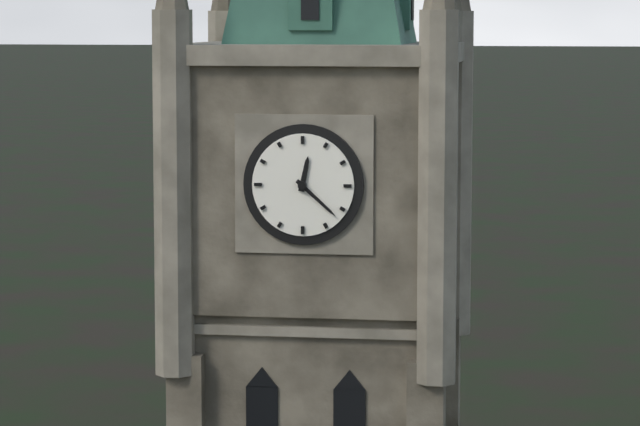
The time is **12:22**
